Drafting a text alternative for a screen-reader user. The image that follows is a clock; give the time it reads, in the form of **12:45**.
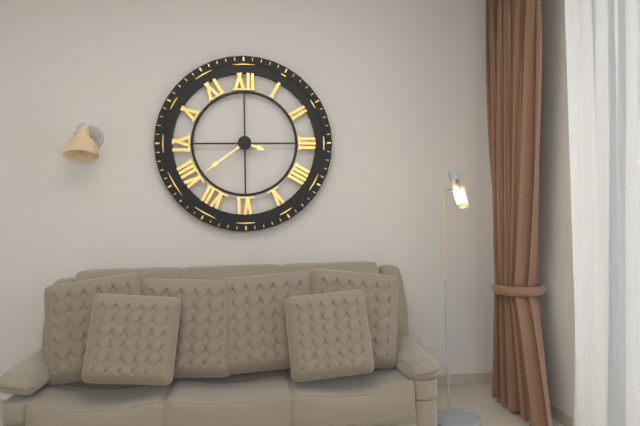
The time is **3:39**
